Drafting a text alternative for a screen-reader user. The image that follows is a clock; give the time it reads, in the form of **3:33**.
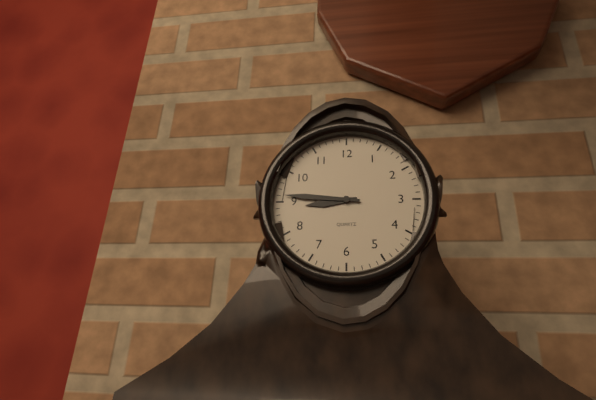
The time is **8:46**
